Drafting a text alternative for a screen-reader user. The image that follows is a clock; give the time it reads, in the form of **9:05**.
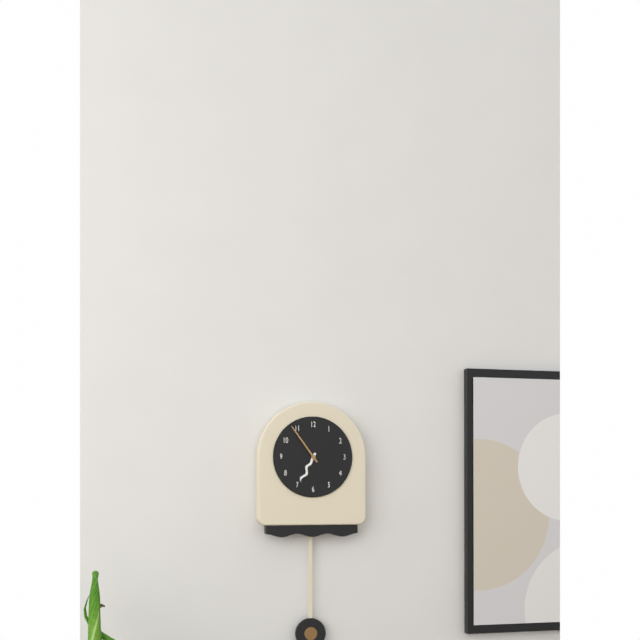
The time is **6:54**
